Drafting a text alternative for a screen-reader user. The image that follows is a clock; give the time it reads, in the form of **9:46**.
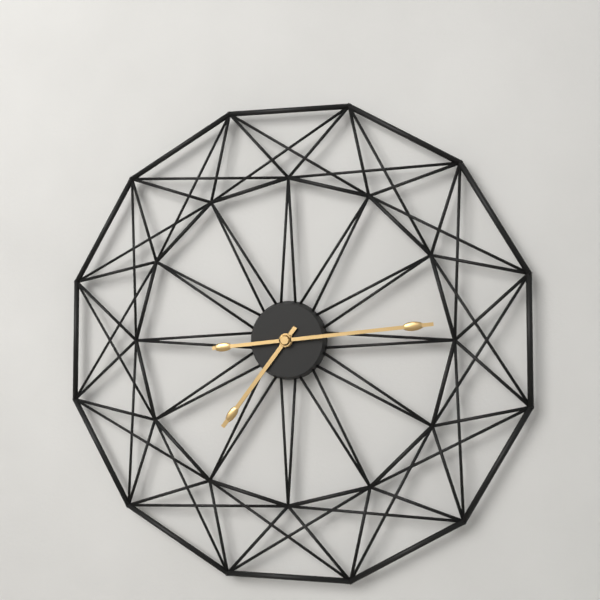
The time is **7:14**
